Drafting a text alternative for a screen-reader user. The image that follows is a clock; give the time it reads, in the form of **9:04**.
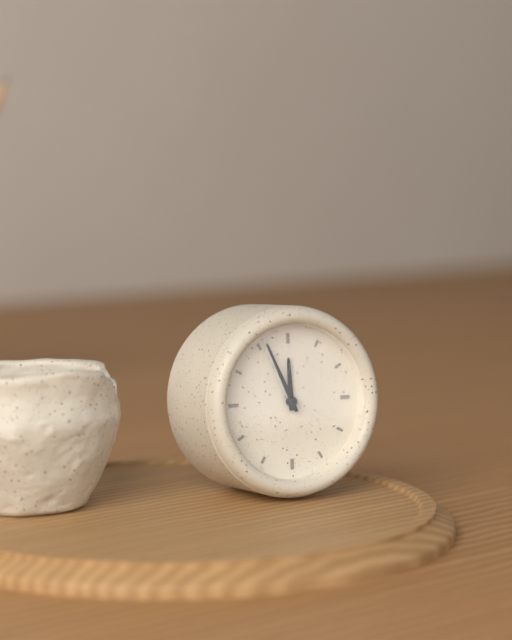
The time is **11:56**
